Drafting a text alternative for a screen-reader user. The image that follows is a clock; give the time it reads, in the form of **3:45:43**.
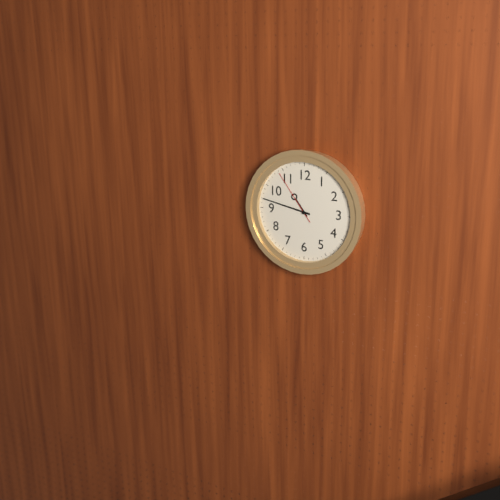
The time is **10:47:54**
